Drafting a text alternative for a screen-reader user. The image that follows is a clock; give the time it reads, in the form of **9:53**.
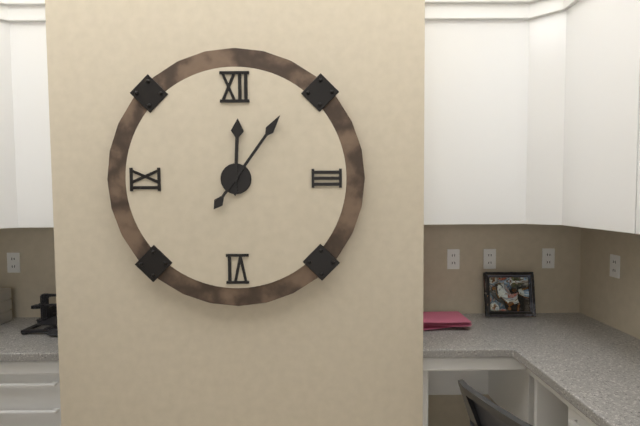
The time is **12:06**
